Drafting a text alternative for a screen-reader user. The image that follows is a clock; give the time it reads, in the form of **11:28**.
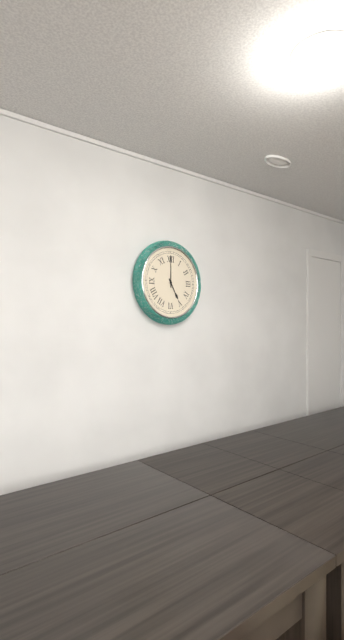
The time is **5:00**
